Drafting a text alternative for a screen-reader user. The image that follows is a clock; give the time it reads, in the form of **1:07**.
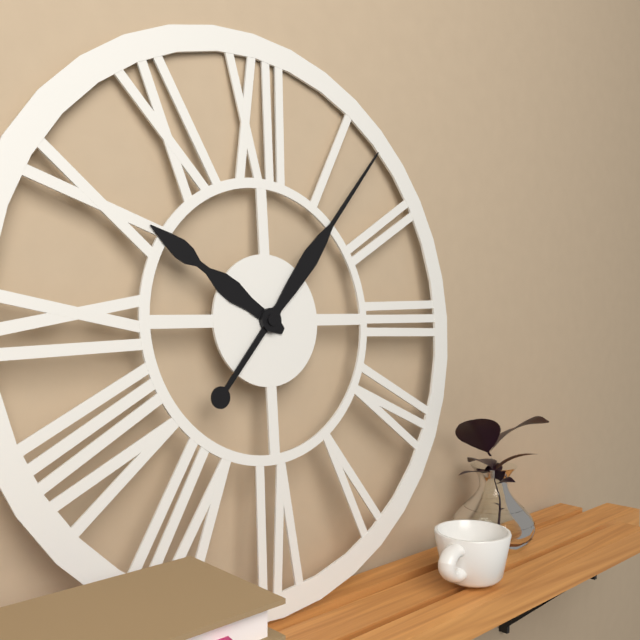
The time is **10:07**
